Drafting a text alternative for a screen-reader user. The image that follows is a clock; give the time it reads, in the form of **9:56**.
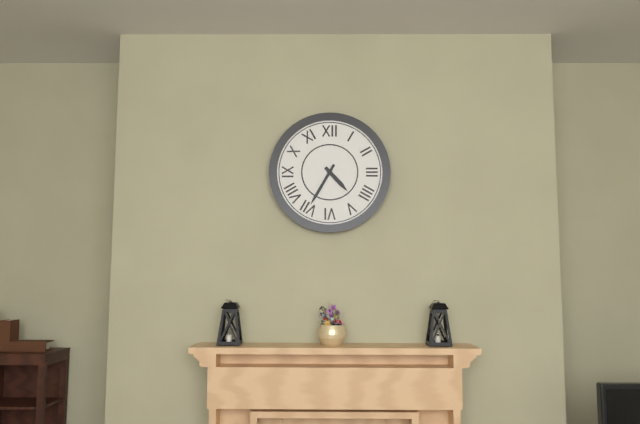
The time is **4:35**
